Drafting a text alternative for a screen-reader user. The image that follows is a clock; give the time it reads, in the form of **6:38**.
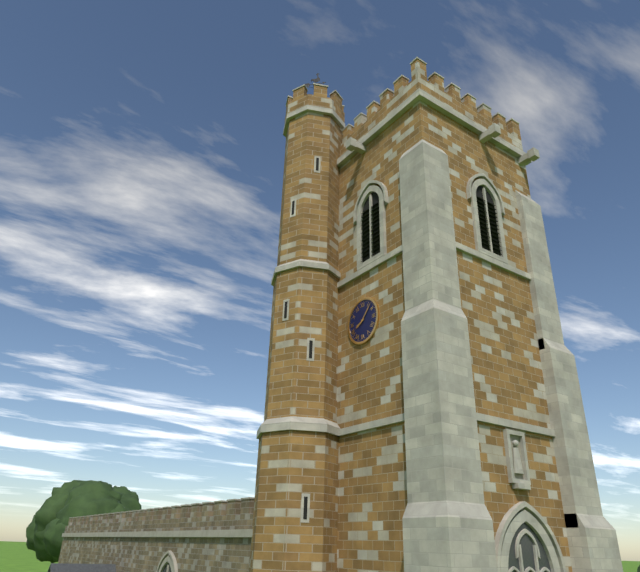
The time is **8:07**
